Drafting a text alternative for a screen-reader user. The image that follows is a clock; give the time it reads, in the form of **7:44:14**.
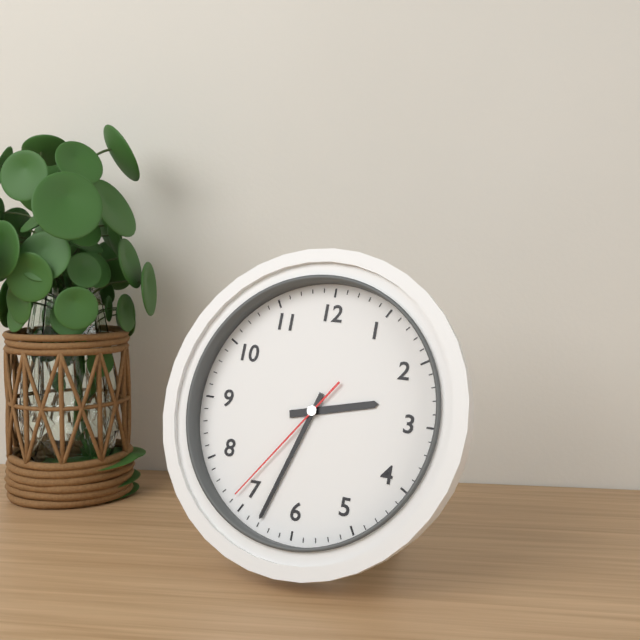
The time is **2:33:36**
